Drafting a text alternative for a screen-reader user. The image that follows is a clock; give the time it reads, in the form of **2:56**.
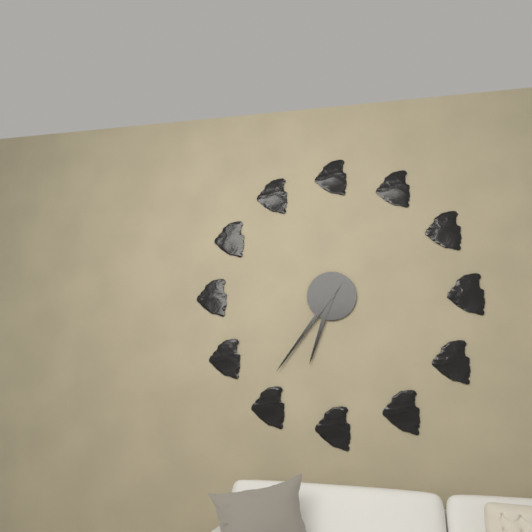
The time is **6:36**
